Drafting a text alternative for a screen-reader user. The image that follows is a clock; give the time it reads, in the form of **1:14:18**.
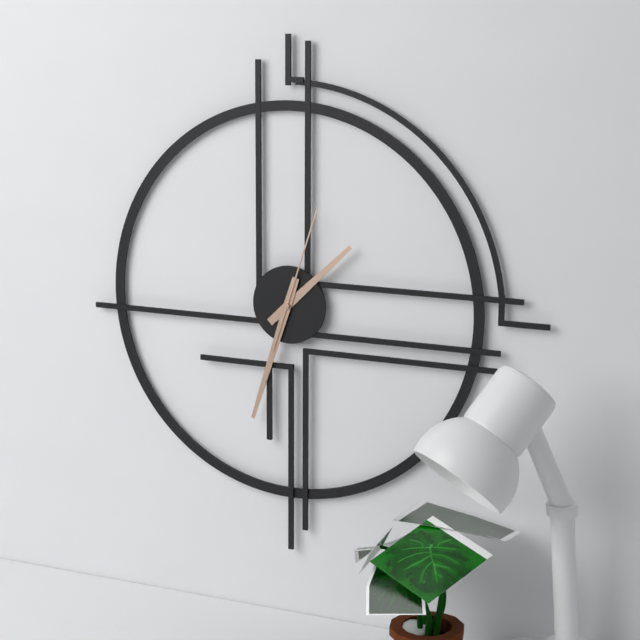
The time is **1:33:03**
